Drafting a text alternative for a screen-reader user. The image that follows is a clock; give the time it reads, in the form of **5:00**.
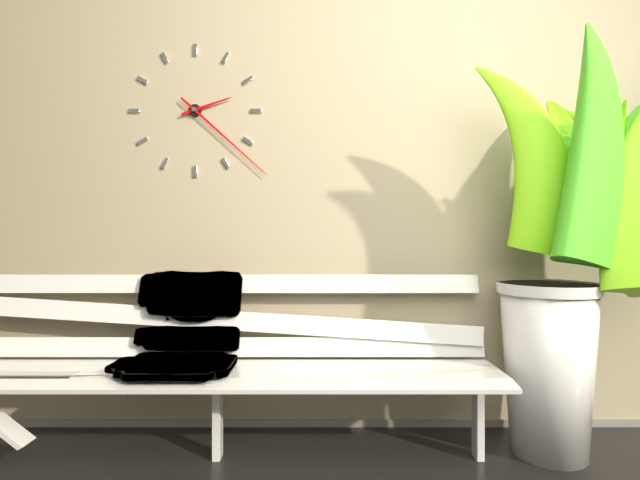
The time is **2:22**
